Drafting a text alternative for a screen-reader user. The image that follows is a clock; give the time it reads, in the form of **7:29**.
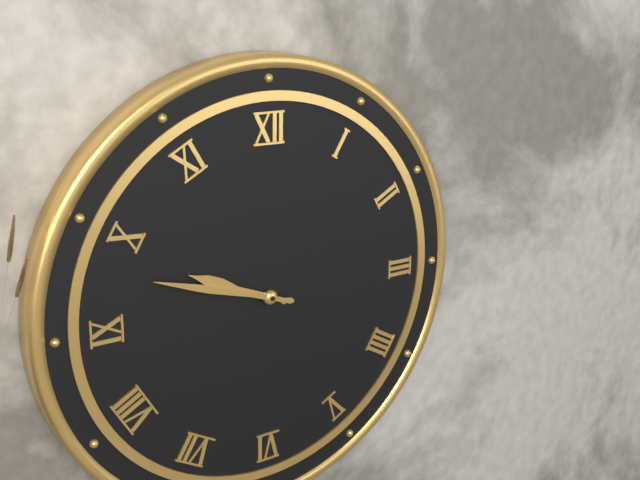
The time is **9:48**
